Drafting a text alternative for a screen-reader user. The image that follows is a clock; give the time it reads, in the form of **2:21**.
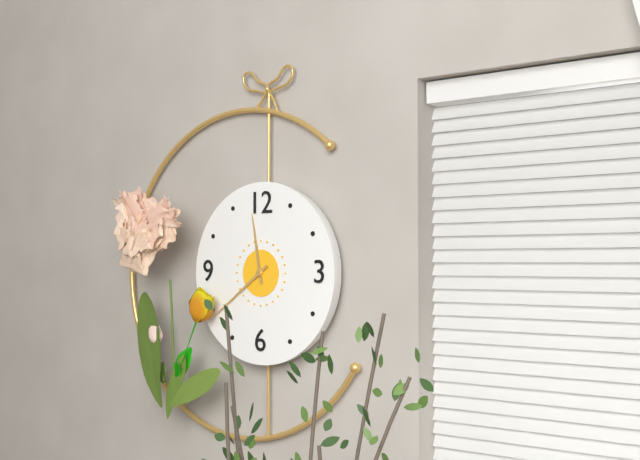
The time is **11:39**
